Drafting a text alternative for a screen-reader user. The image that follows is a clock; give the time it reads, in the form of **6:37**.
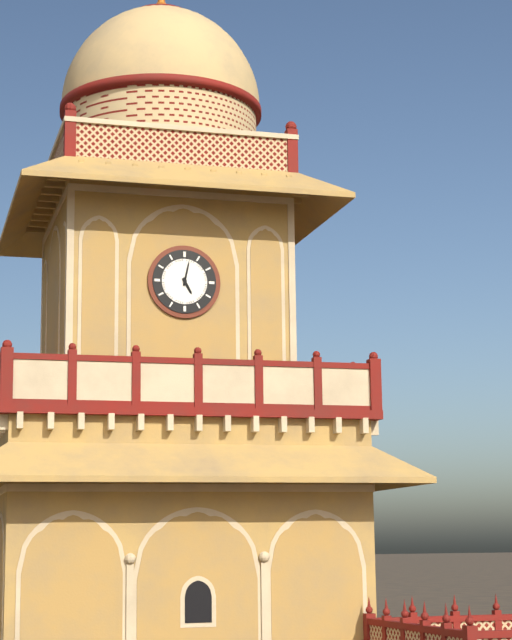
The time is **5:02**
